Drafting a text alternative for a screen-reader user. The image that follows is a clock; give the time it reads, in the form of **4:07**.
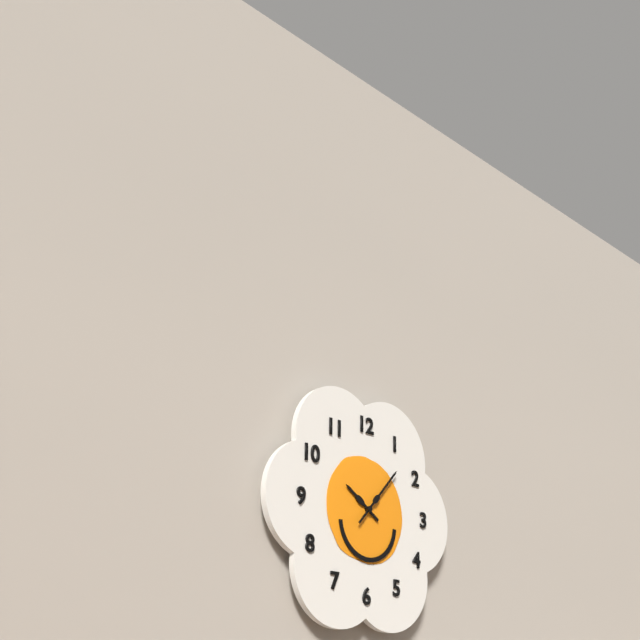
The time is **10:07**
